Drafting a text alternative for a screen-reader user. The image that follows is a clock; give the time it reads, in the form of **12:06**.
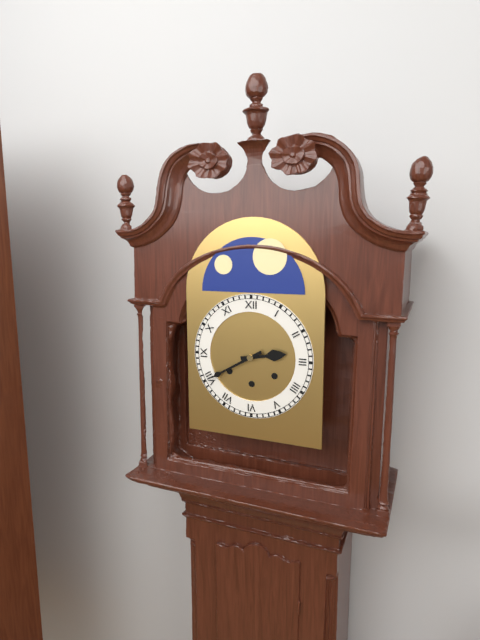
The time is **2:40**
